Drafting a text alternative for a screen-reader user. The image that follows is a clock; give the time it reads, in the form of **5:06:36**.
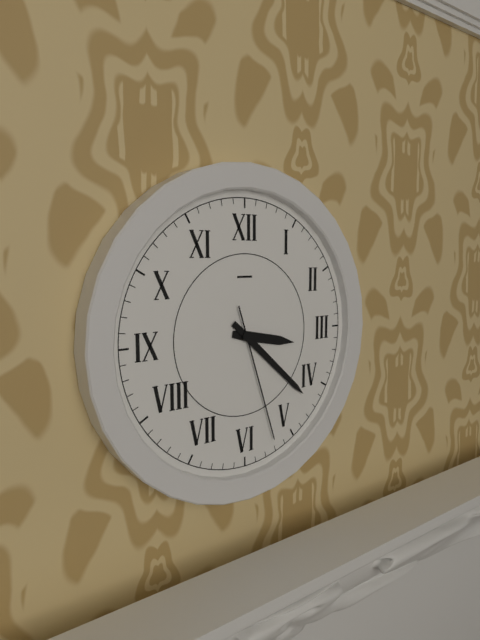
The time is **3:22:27**
